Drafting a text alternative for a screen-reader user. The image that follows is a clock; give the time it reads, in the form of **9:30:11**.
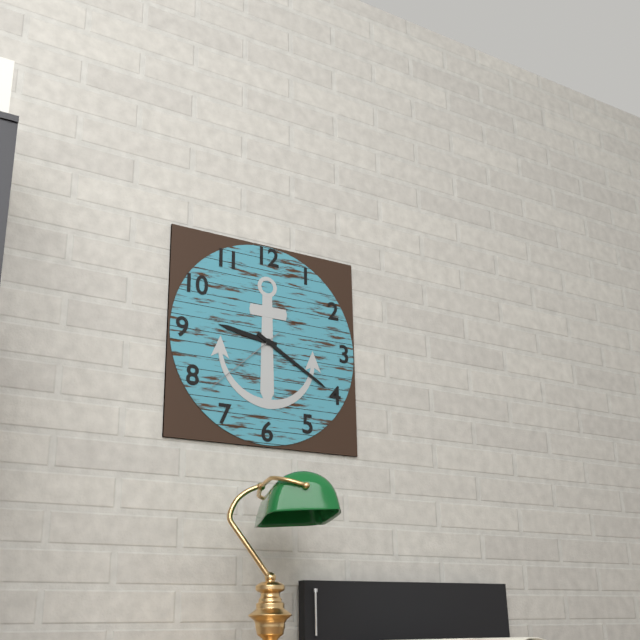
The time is **9:20:38**
